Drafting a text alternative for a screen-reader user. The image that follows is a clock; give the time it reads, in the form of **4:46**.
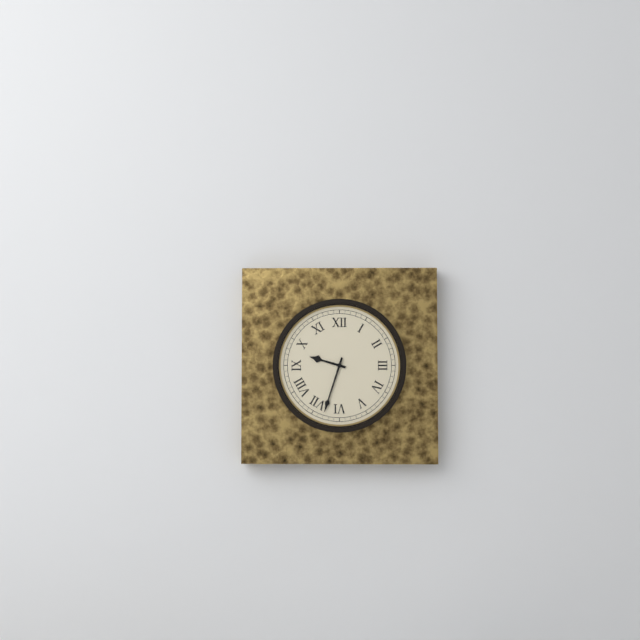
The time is **9:33**
